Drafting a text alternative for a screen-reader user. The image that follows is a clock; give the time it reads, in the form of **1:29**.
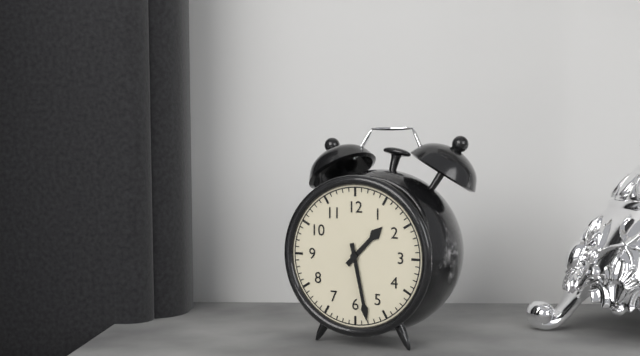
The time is **1:28**
